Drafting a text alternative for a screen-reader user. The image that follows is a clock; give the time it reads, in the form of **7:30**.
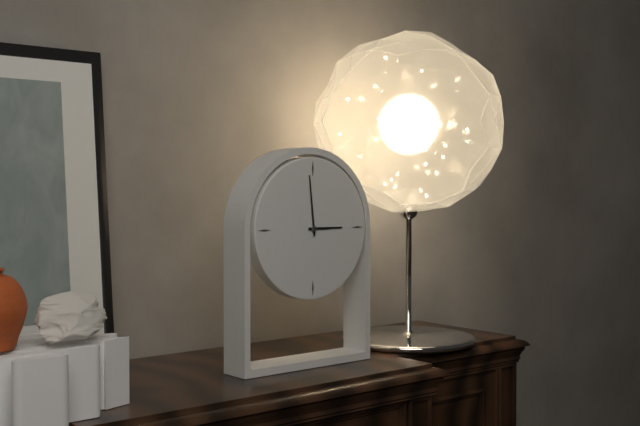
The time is **2:59**
